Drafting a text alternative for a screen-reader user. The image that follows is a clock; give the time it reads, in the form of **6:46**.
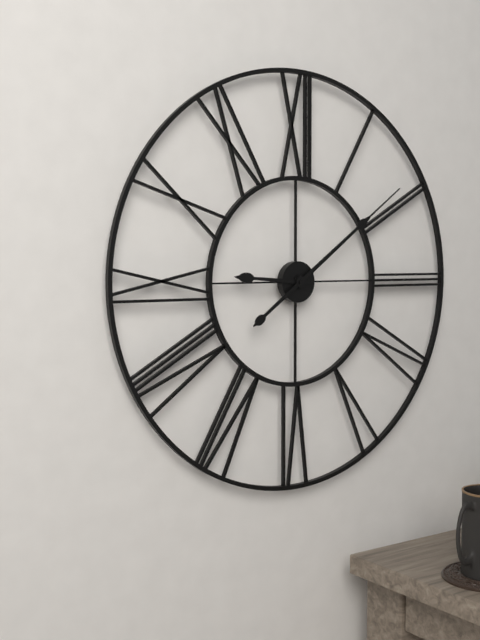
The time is **9:09**
